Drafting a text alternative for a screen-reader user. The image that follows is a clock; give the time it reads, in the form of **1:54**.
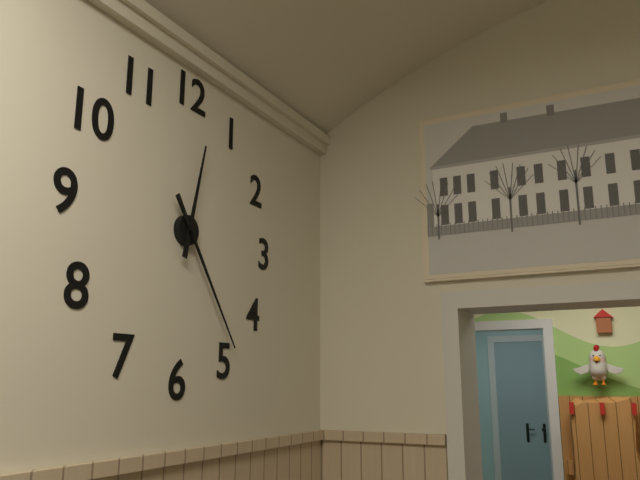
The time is **12:24**
